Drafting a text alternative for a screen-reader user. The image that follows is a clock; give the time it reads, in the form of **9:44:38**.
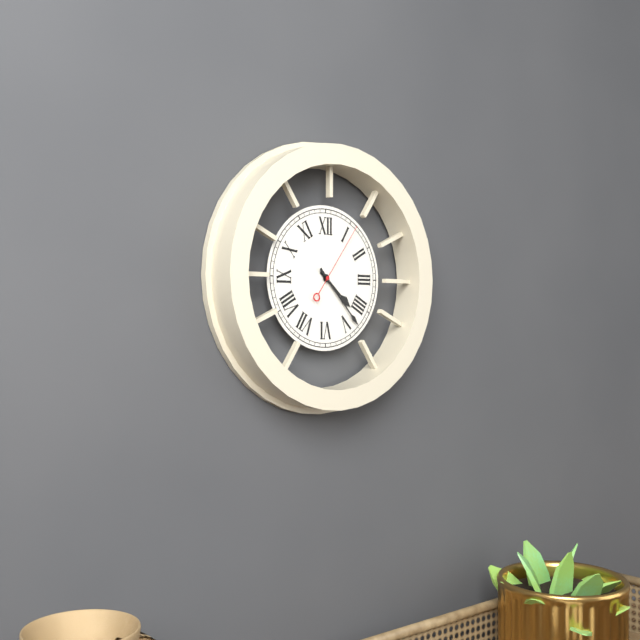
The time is **4:23:06**
